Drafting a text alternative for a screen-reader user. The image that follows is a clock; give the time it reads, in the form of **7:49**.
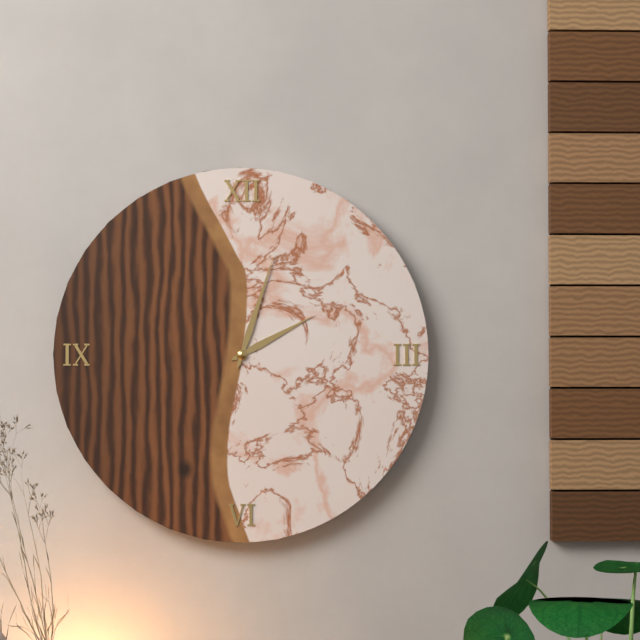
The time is **2:03**
